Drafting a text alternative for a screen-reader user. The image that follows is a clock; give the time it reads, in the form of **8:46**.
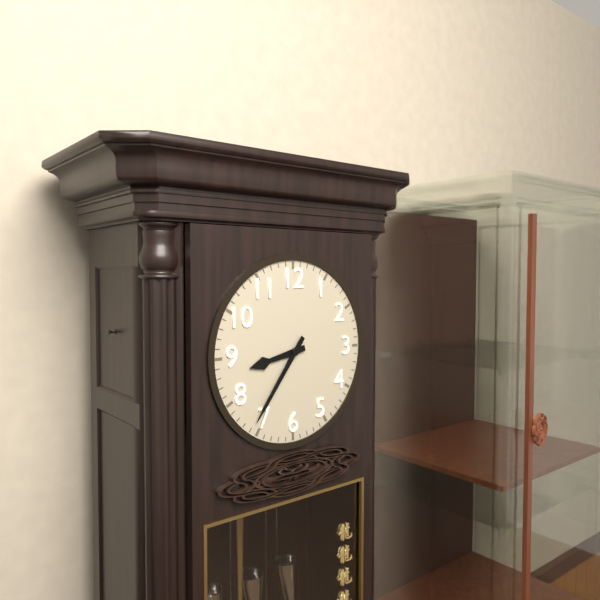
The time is **8:36**
